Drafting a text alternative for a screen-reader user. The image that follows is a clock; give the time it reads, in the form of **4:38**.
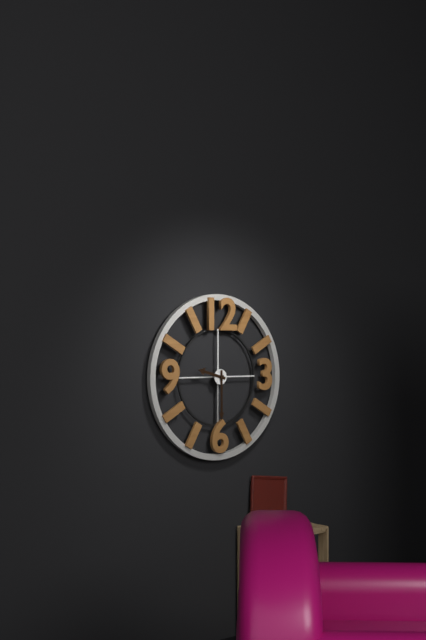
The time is **9:30**
